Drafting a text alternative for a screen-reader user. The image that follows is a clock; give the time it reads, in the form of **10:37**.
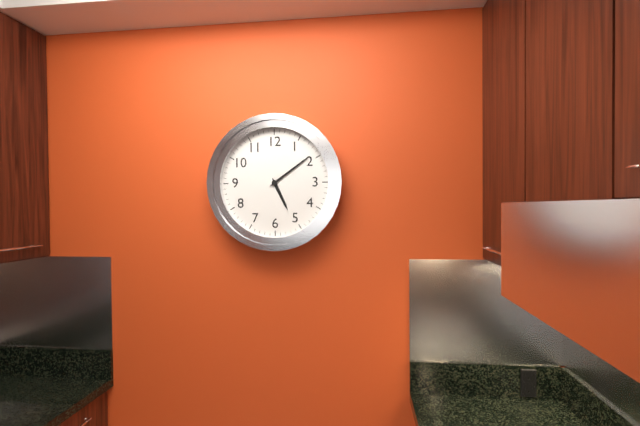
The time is **5:09**
